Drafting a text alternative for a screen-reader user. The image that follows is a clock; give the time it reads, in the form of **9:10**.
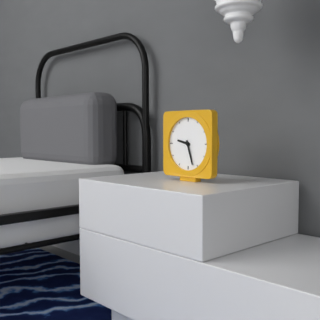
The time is **9:27**
